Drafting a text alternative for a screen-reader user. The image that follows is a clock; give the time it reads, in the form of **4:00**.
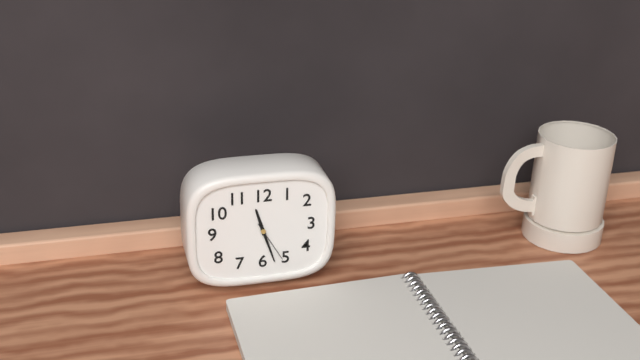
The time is **11:27**
